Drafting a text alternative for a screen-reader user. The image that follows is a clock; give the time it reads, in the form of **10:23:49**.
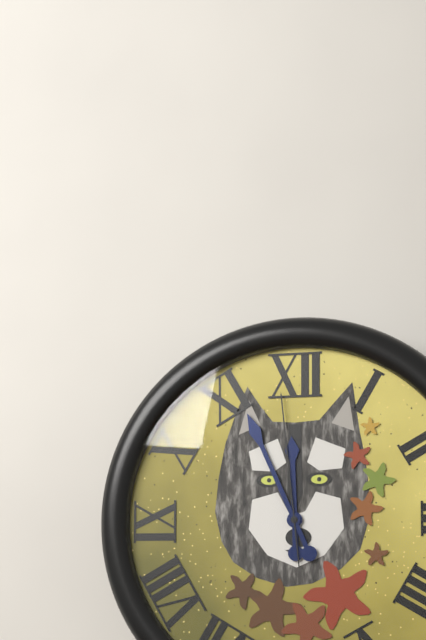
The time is **11:56:59**
